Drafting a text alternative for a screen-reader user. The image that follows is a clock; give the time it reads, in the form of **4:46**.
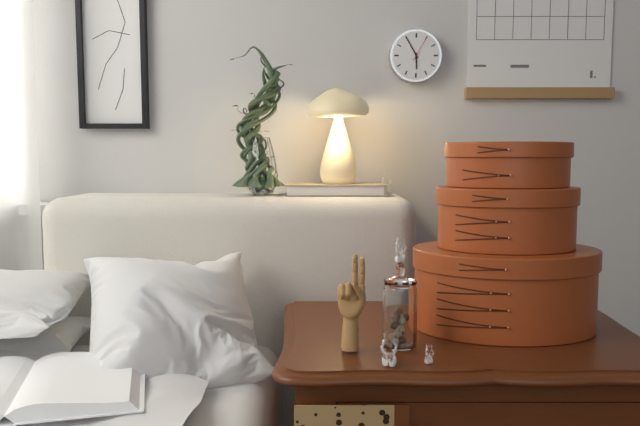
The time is **5:55**
